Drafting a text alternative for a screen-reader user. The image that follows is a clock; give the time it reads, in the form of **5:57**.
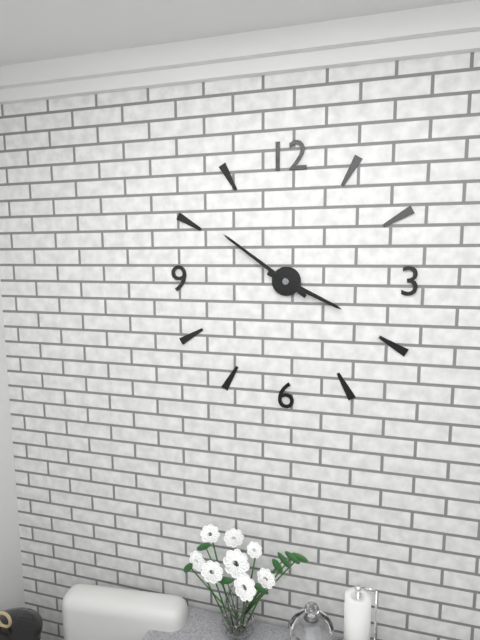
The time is **3:51**
